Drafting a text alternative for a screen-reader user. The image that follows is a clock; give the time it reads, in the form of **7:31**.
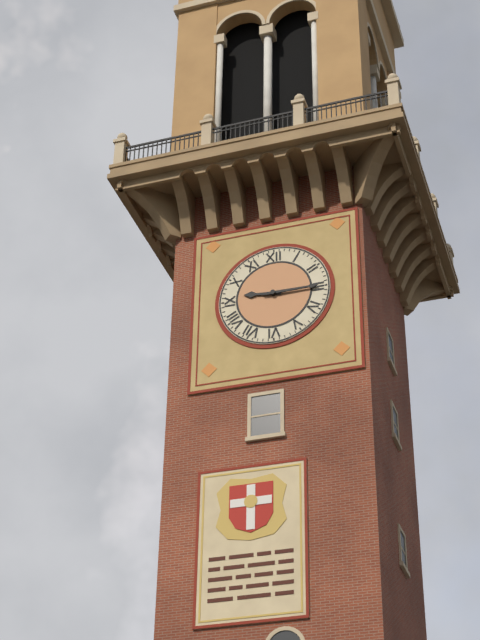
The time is **9:15**
